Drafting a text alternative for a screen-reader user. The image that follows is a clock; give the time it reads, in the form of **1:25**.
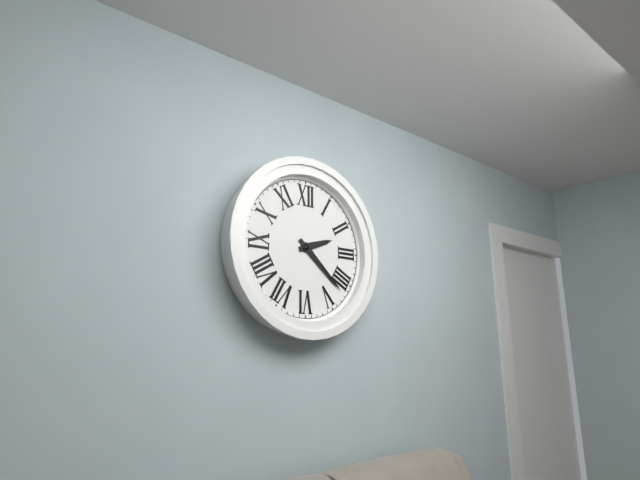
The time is **2:22**
